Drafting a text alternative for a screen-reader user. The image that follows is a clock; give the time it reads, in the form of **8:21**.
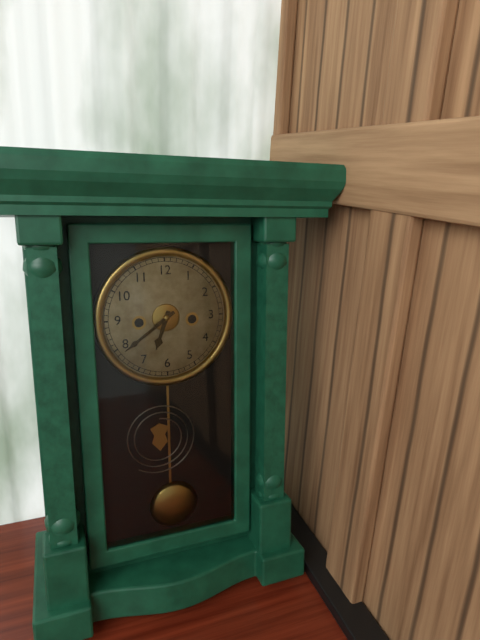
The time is **6:39**
